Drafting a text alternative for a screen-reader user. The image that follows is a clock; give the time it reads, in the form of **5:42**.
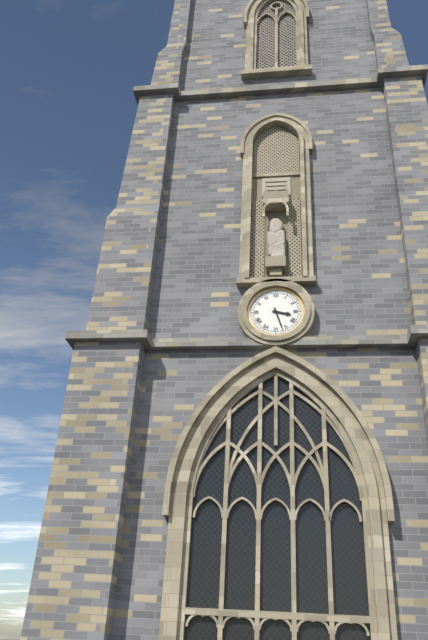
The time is **3:27**
